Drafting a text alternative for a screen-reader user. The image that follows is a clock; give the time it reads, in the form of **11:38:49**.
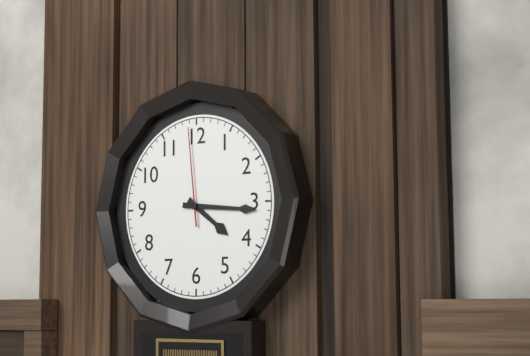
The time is **4:16:59**
